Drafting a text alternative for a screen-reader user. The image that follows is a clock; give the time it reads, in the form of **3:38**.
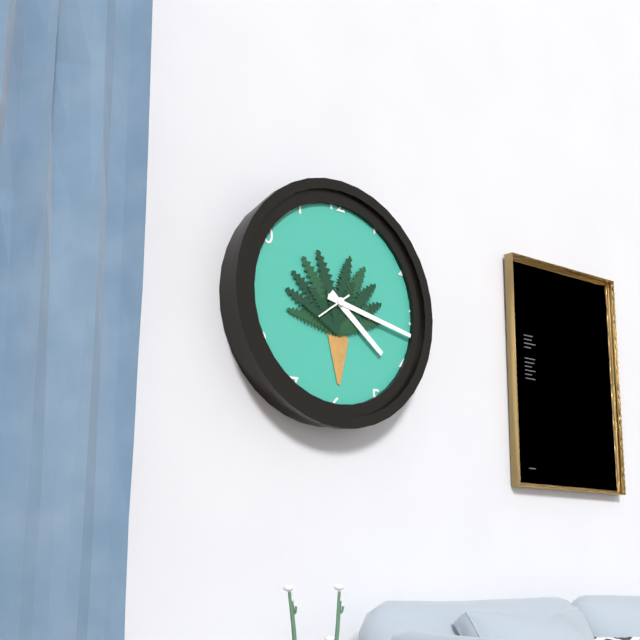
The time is **4:17**
